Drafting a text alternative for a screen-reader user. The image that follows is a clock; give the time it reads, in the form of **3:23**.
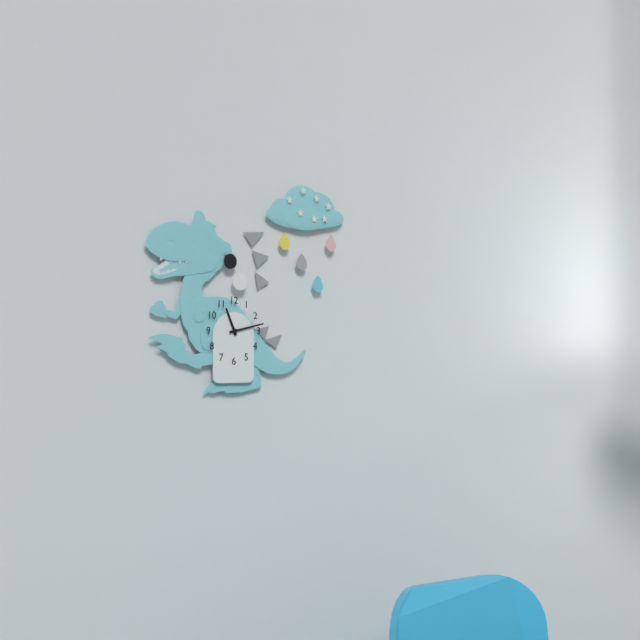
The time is **11:13**
